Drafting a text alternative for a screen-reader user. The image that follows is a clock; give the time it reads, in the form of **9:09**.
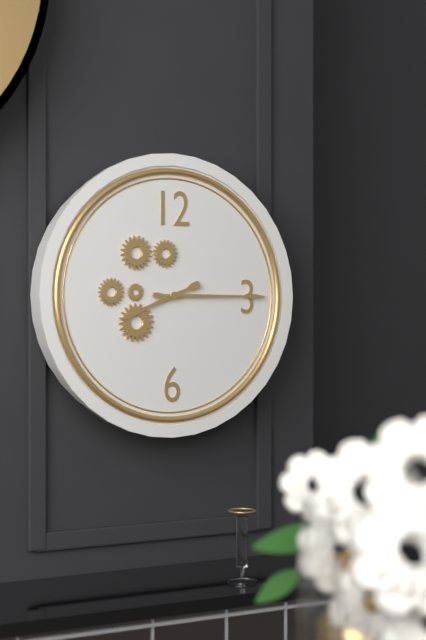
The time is **8:15**
